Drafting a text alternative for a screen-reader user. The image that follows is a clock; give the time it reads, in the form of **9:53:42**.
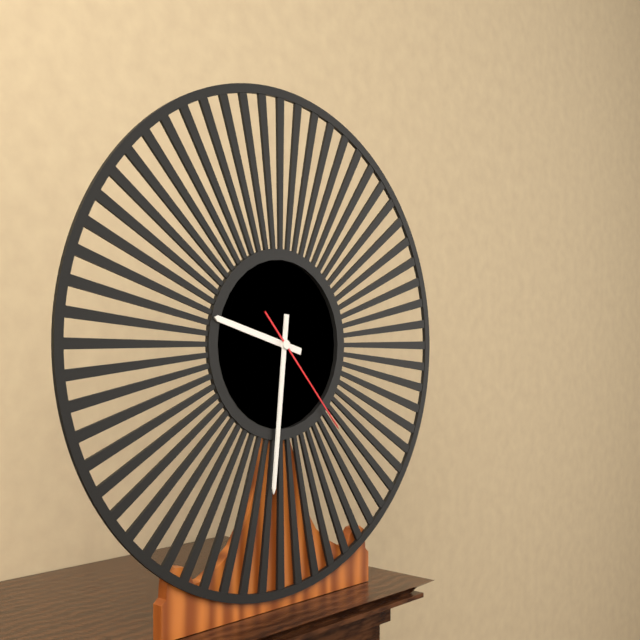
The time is **9:31:23**
